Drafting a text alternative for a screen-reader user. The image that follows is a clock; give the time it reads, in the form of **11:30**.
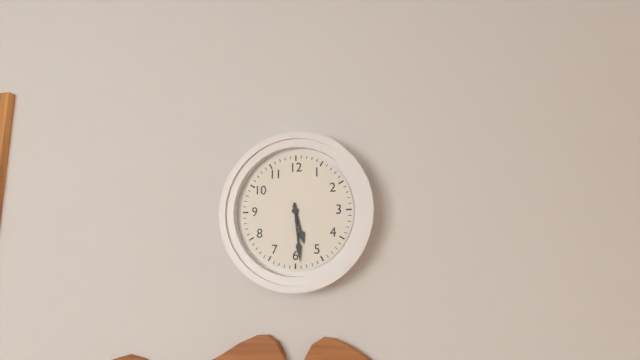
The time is **5:29**
